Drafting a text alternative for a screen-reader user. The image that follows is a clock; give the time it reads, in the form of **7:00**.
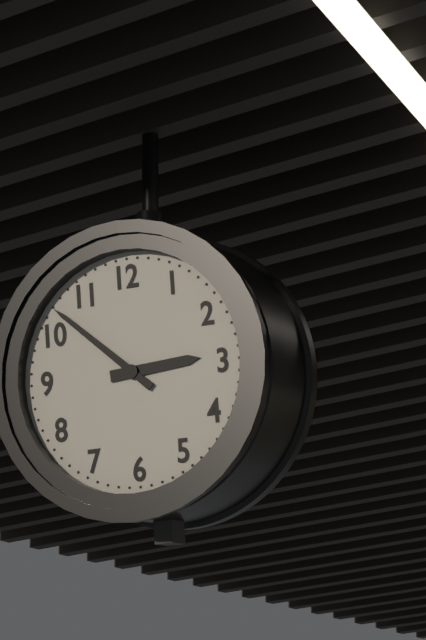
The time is **2:52**
